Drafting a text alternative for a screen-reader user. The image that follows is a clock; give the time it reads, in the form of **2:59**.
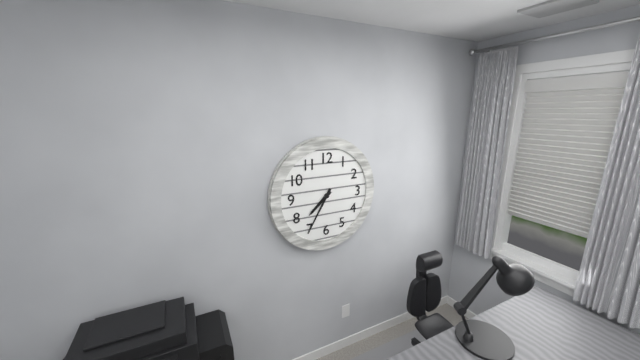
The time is **7:35**
